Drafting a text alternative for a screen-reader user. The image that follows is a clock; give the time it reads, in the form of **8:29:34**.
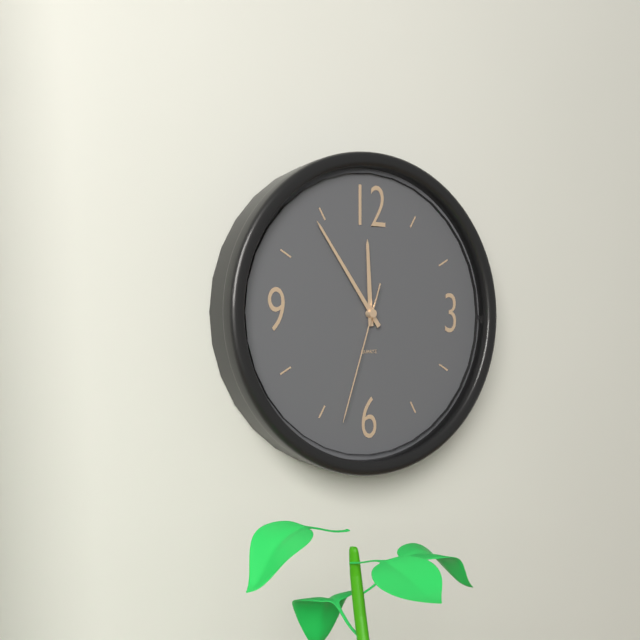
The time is **11:54:33**
